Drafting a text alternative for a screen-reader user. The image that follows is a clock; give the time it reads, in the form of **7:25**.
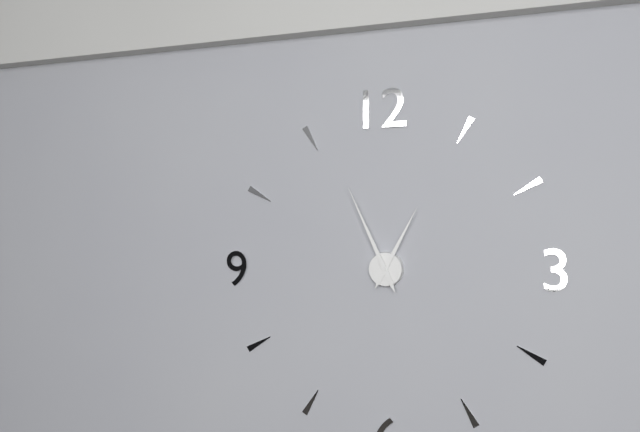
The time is **12:56**
